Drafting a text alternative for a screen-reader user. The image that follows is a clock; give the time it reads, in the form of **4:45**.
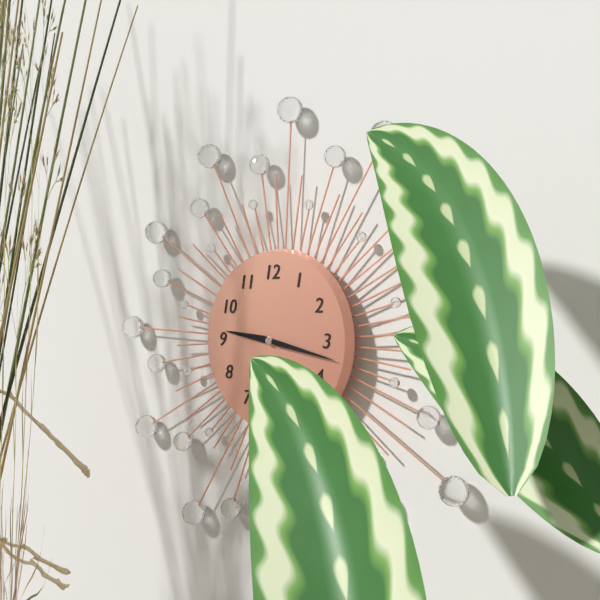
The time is **9:17**
